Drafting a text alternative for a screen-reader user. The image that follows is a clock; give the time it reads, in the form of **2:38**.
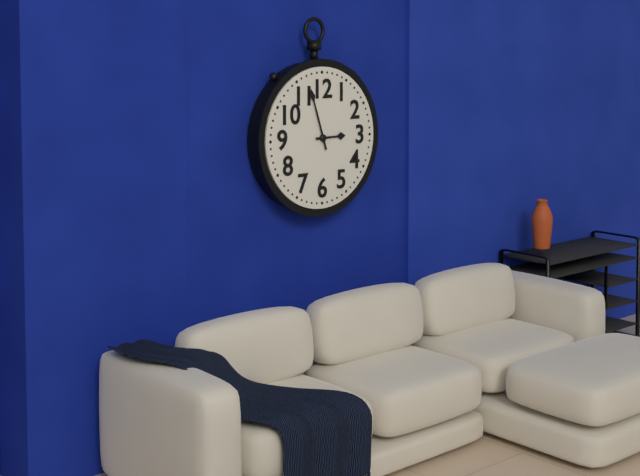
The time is **2:57**
